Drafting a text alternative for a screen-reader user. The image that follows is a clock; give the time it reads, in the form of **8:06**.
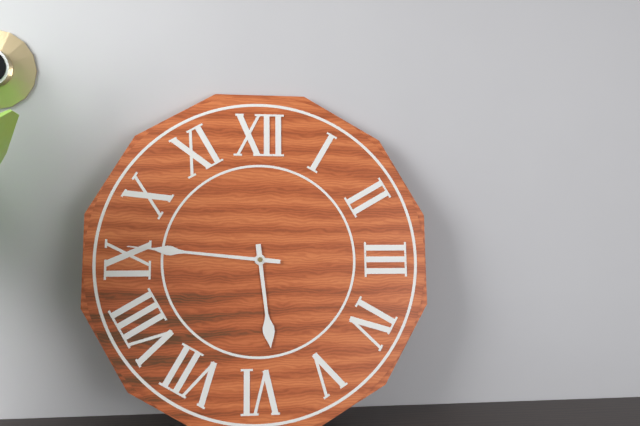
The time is **5:46**
